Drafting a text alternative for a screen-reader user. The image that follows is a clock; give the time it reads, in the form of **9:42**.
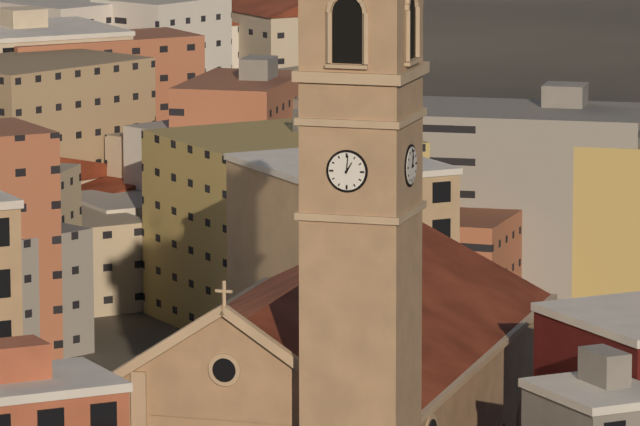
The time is **1:01**
